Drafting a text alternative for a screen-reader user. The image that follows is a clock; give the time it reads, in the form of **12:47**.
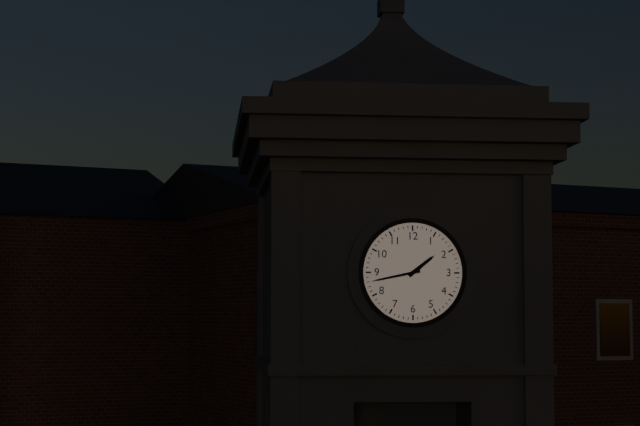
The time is **1:43**
